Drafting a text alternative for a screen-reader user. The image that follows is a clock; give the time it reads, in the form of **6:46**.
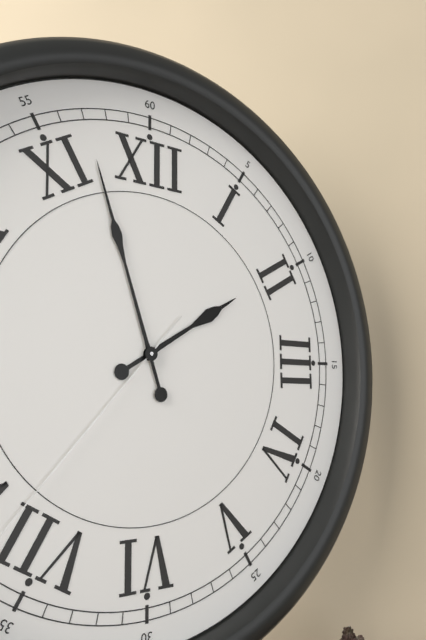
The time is **1:57**
